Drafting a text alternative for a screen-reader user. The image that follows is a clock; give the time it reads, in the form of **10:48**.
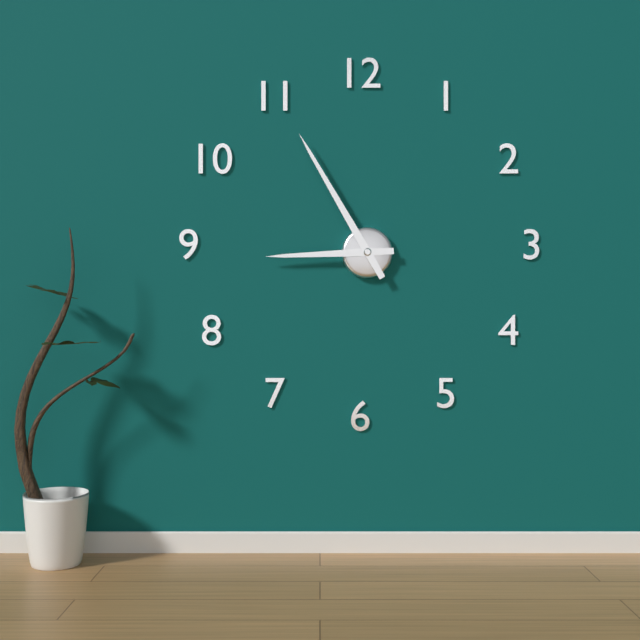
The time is **8:55**
